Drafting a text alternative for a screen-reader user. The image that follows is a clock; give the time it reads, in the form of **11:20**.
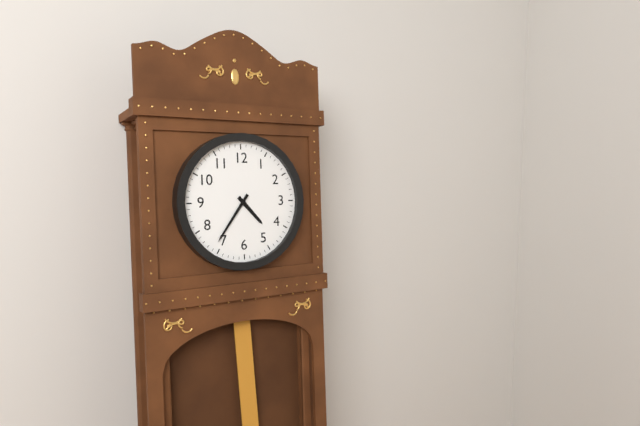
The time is **4:36**
